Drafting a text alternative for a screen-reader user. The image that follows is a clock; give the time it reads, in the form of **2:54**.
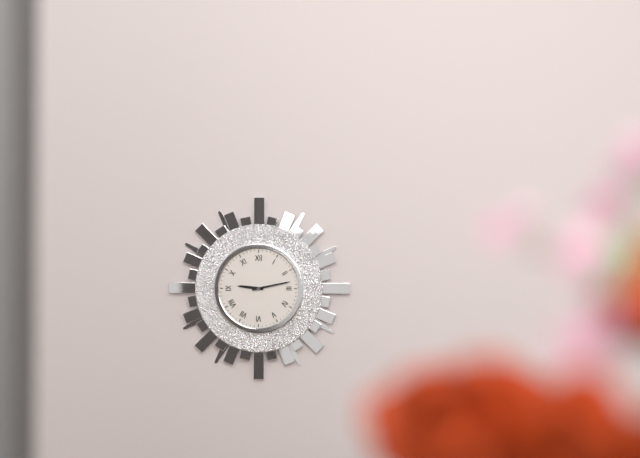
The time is **9:13**
